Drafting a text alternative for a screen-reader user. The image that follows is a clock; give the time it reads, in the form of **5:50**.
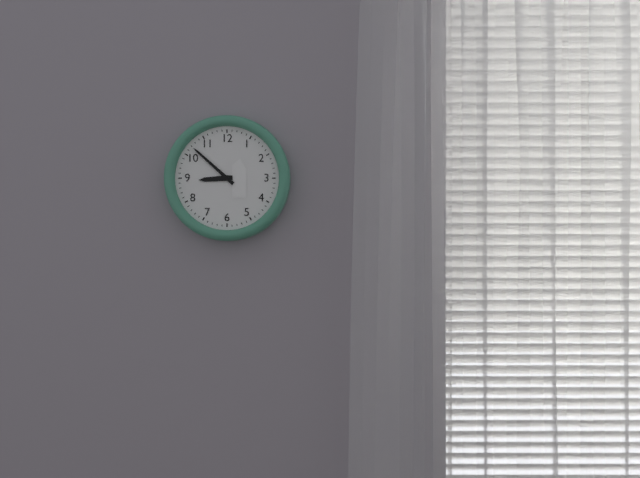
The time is **8:52**
